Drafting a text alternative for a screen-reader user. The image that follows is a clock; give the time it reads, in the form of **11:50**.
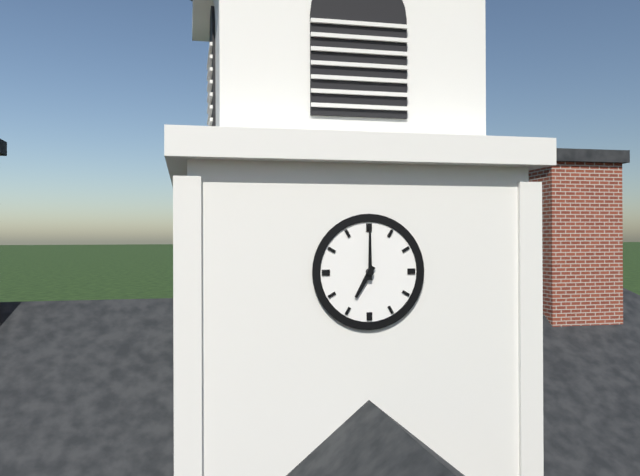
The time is **7:00**
